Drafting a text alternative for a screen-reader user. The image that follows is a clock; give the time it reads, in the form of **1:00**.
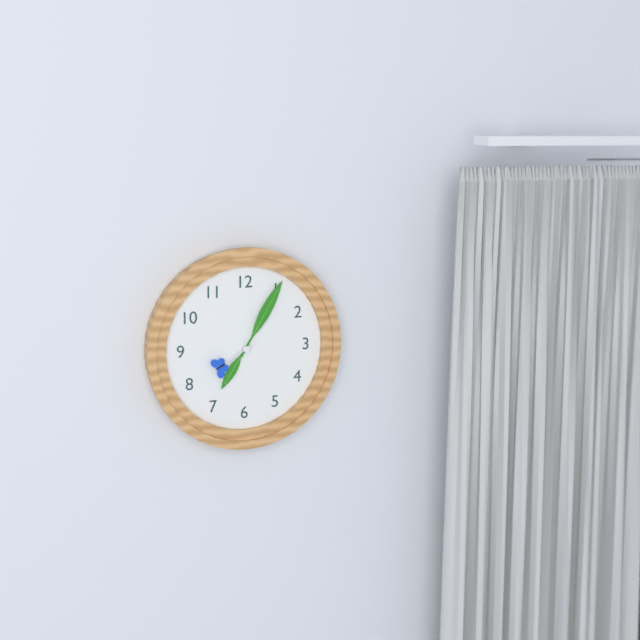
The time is **7:05**
